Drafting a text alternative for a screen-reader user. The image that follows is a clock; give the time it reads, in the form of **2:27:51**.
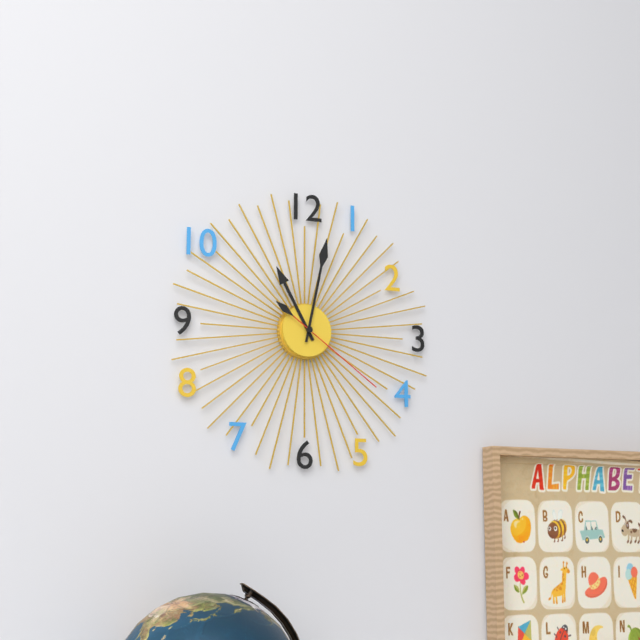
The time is **11:02:21**
